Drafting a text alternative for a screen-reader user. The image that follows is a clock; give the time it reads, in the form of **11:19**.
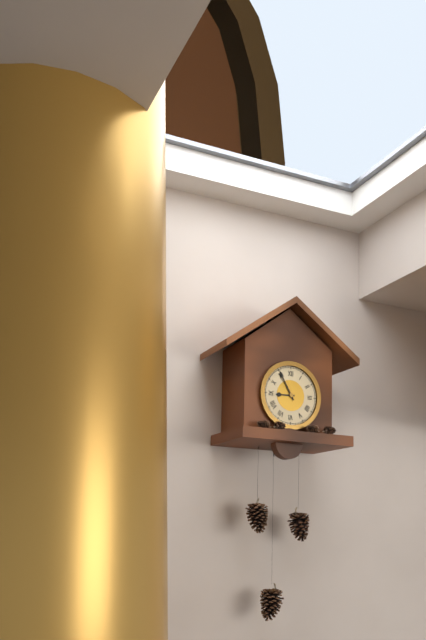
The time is **8:55**
